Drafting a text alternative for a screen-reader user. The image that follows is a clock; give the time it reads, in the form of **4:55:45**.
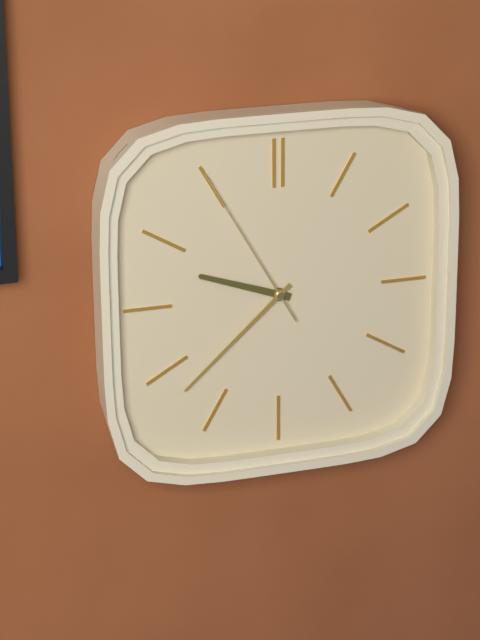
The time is **9:38:55**
